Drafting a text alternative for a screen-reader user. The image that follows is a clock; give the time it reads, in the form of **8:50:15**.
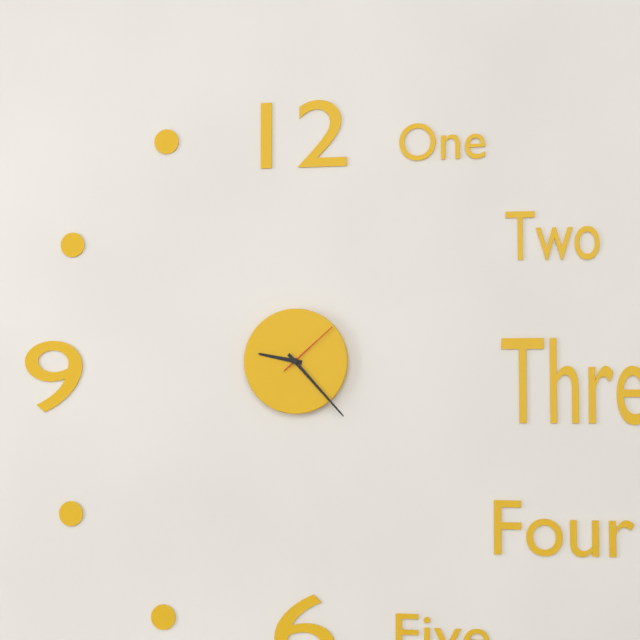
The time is **9:23:08**
